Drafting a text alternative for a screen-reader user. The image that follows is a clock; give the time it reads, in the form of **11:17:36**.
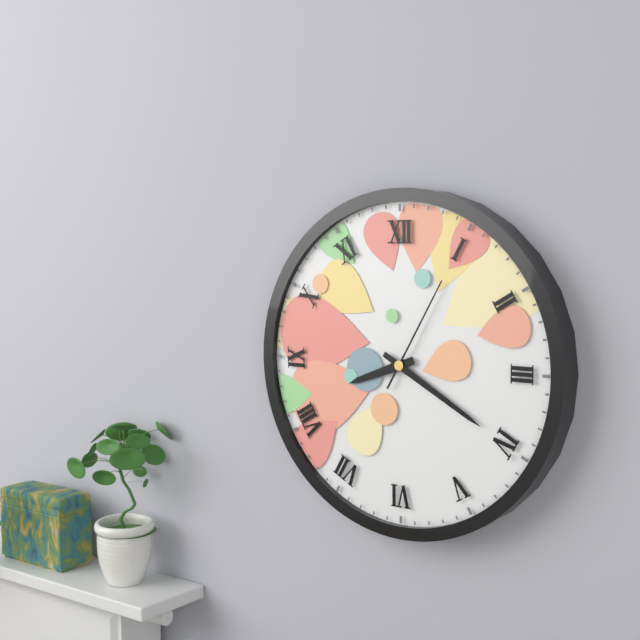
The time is **8:20:05**
